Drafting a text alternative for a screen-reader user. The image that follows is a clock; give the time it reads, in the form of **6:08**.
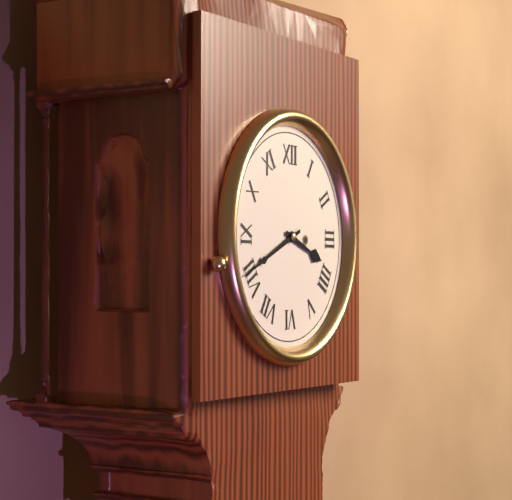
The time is **3:41**
